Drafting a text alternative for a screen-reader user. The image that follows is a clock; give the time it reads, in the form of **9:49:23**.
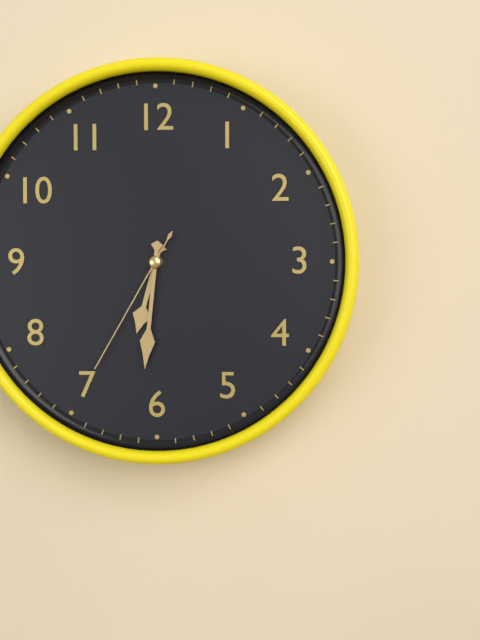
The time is **6:31:35**
